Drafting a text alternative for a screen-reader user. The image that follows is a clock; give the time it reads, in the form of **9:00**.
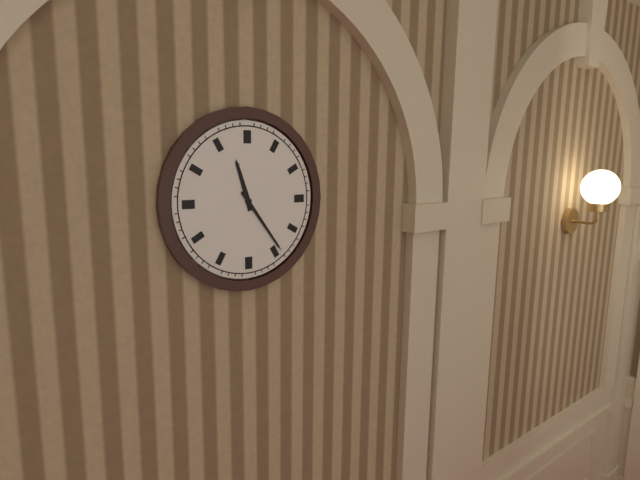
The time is **11:24**
